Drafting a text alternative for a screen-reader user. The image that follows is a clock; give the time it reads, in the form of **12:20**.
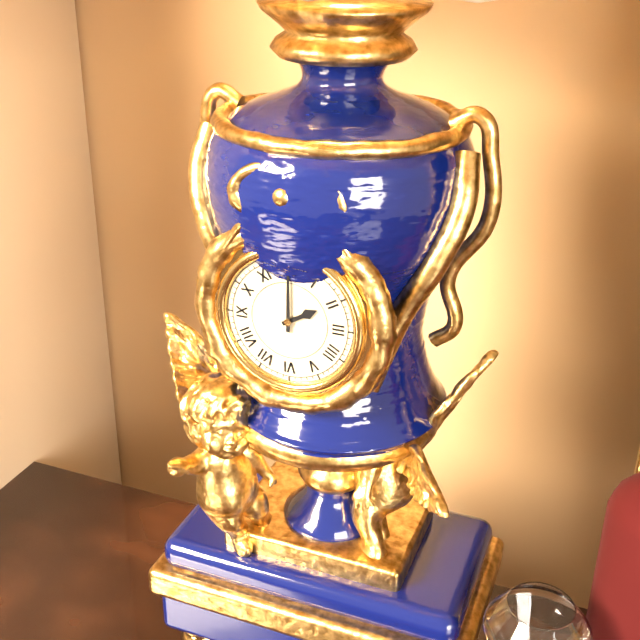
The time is **2:00**
